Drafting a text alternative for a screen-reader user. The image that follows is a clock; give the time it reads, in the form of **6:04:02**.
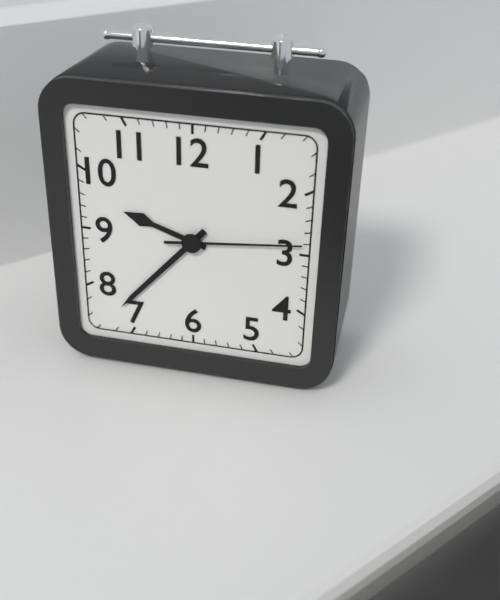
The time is **9:37:14**
